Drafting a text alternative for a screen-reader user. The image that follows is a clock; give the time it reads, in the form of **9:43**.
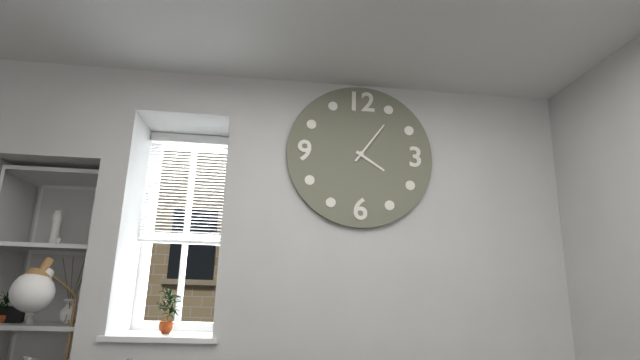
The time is **4:06**
